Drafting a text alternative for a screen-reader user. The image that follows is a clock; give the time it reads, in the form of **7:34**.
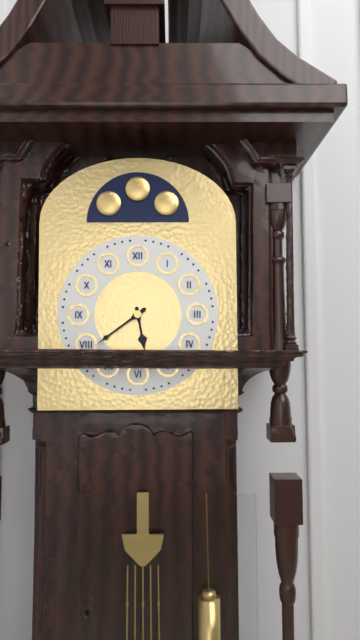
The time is **5:39**
